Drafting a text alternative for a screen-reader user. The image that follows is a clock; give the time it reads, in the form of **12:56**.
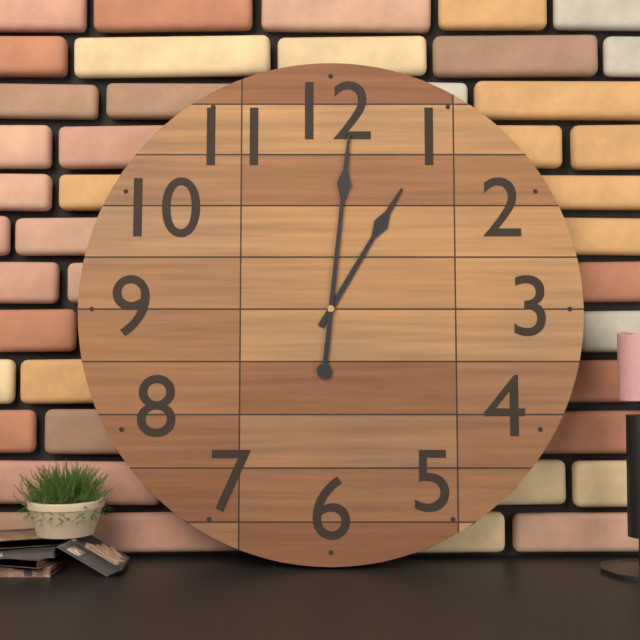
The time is **1:01**
